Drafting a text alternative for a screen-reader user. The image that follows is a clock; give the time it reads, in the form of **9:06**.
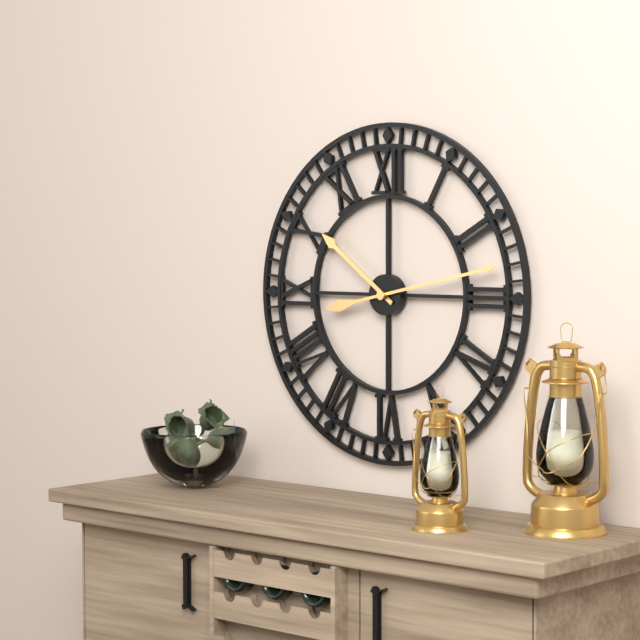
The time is **10:13**
